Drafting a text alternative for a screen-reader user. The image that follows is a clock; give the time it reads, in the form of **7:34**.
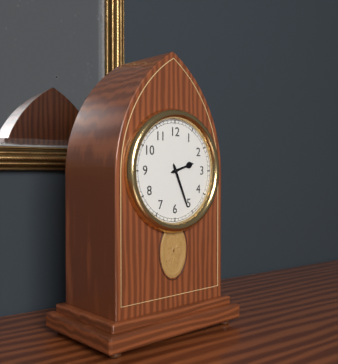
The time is **2:26**
